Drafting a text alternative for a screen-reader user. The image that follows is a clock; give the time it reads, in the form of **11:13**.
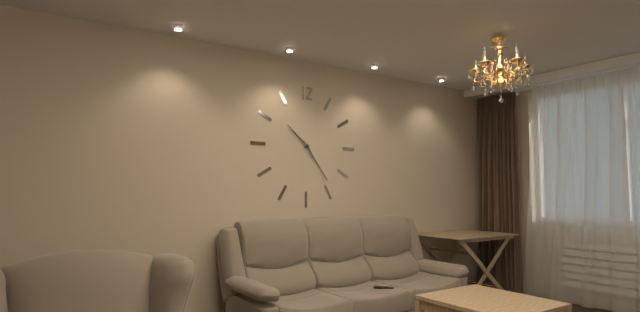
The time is **10:24**
